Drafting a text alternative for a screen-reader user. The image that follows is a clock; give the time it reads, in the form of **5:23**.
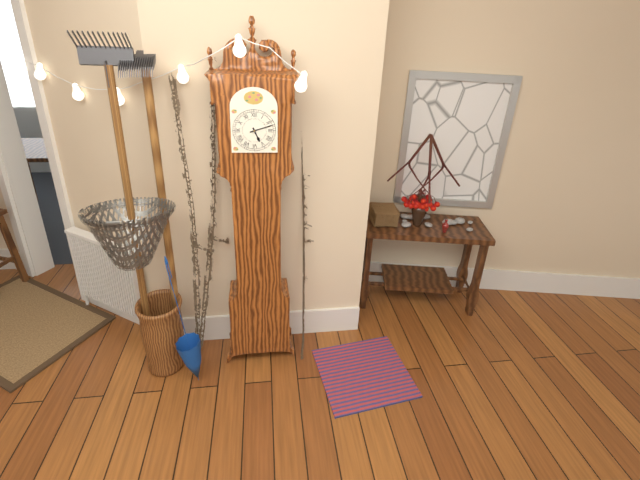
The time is **5:12**
